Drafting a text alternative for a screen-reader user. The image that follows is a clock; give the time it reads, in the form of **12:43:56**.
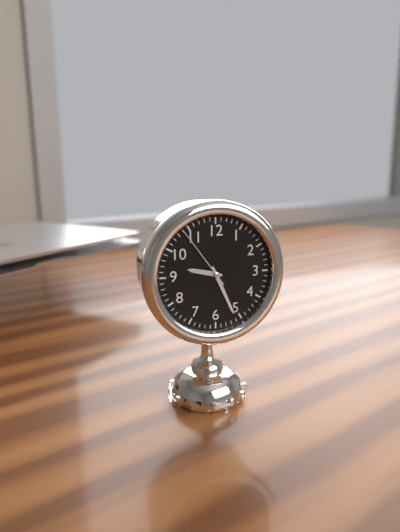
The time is **9:26:54**
